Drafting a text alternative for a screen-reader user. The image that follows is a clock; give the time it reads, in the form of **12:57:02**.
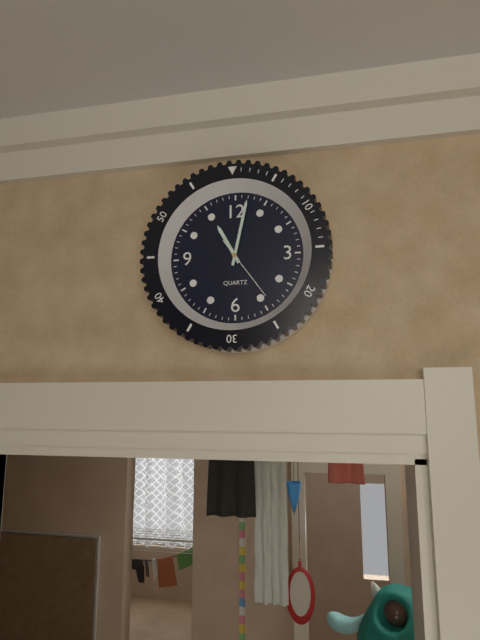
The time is **11:02:24**
